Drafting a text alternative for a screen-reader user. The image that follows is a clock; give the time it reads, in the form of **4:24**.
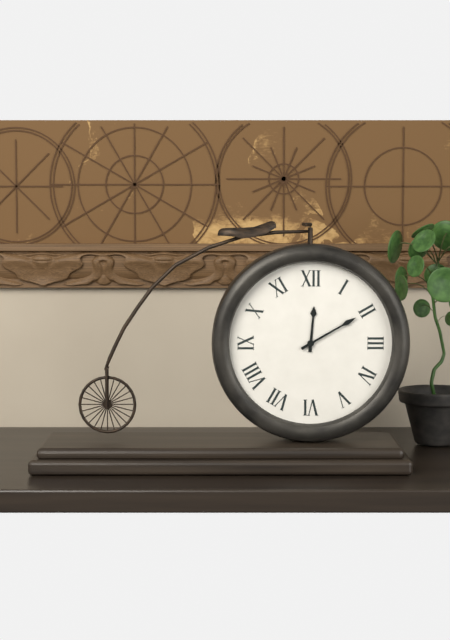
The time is **12:10**
